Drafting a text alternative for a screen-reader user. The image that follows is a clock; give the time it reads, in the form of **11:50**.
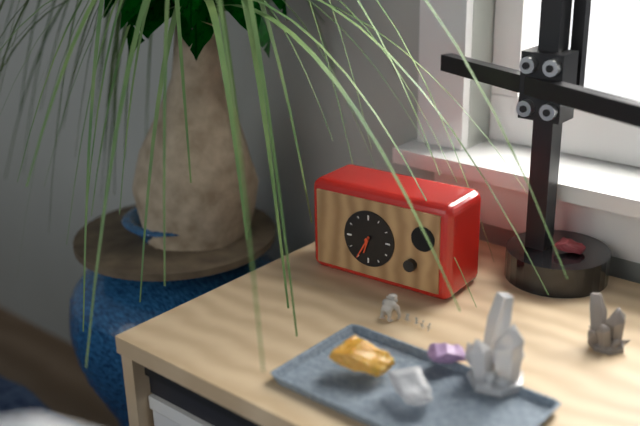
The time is **6:35**
